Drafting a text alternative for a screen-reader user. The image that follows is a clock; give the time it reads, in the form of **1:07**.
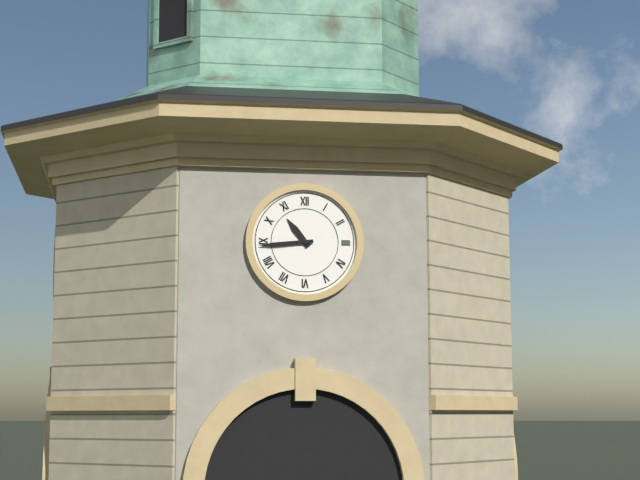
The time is **10:44**
